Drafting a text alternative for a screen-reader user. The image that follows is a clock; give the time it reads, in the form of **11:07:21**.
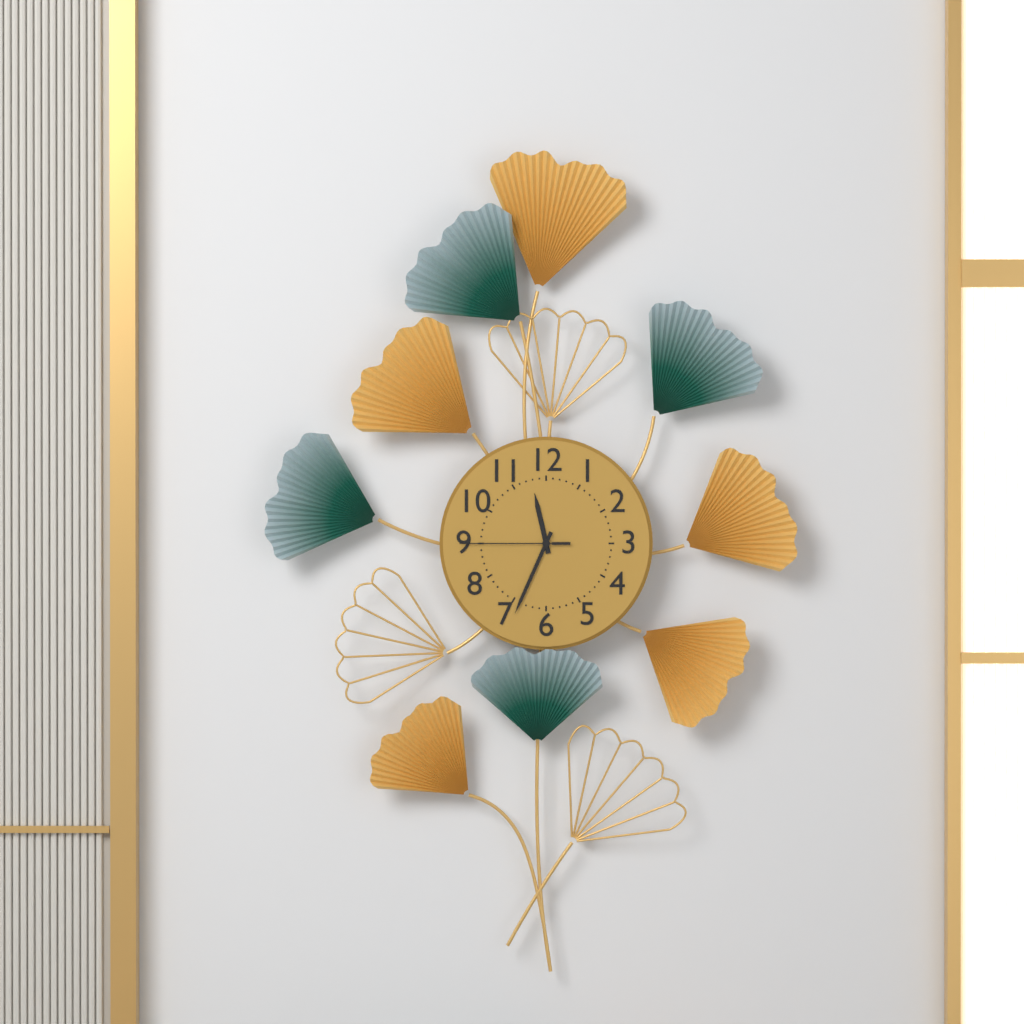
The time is **11:34:45**
